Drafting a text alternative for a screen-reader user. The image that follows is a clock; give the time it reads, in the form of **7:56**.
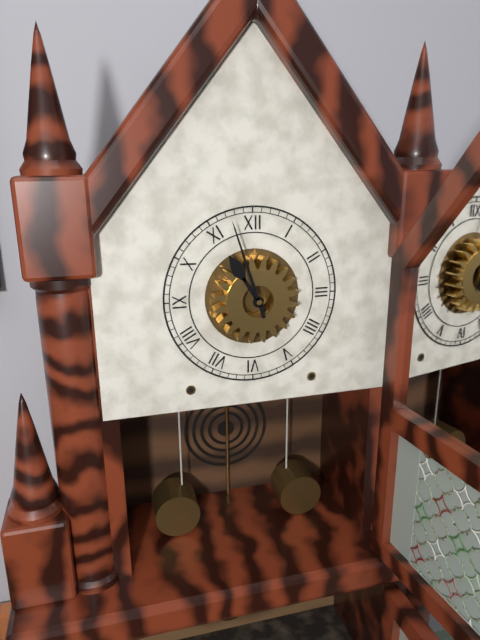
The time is **10:57**
